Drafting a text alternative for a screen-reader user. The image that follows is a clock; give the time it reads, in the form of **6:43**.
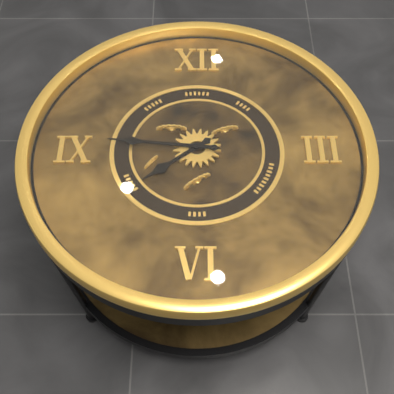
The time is **7:46**
